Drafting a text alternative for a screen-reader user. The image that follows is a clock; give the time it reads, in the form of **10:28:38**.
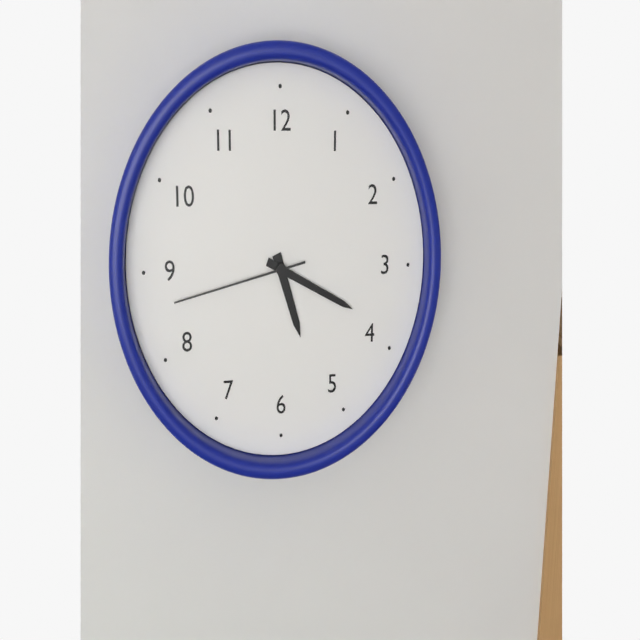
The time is **5:19:43**
